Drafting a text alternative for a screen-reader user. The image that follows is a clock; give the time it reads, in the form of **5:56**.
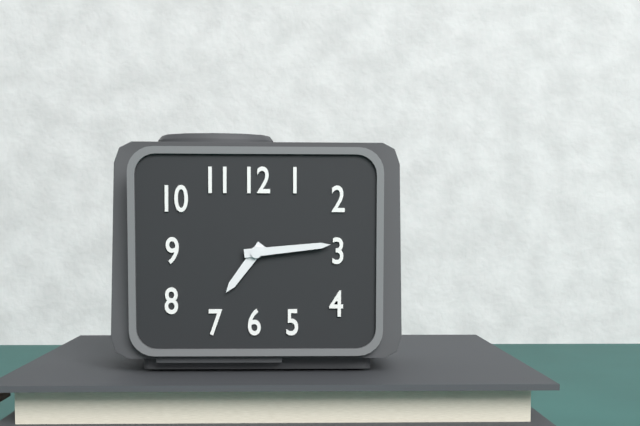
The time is **7:14**
